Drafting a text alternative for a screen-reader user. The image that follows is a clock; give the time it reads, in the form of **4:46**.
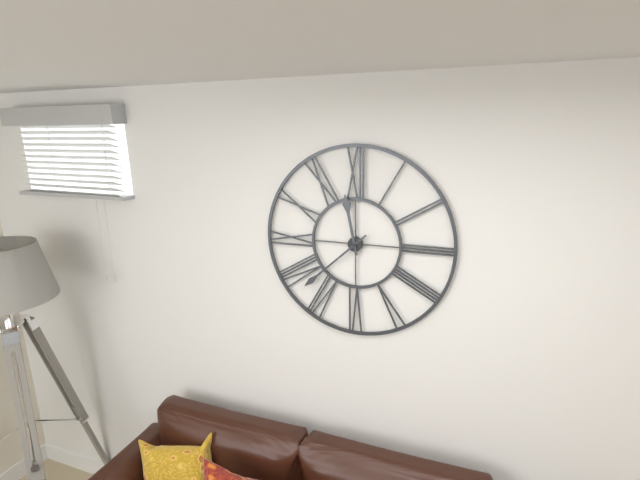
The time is **11:38**
